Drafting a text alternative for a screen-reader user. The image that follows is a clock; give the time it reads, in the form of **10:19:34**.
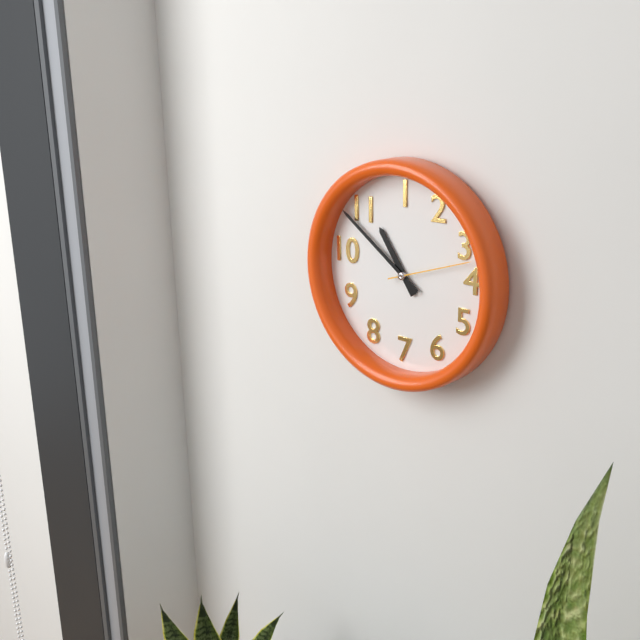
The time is **10:51:12**
